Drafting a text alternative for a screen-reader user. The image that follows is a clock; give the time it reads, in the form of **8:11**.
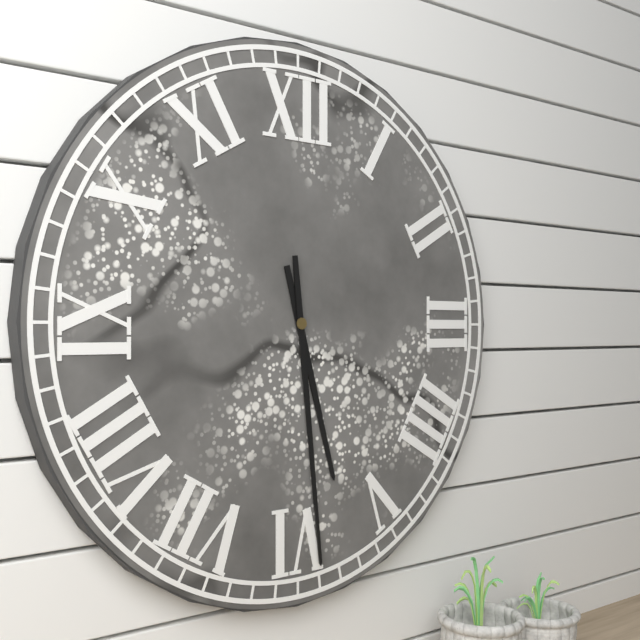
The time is **5:29**
